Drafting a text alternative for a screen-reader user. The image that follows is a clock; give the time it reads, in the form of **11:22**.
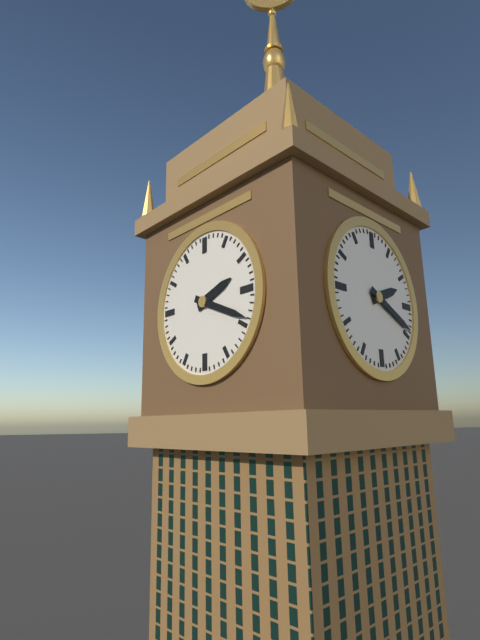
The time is **2:19**
